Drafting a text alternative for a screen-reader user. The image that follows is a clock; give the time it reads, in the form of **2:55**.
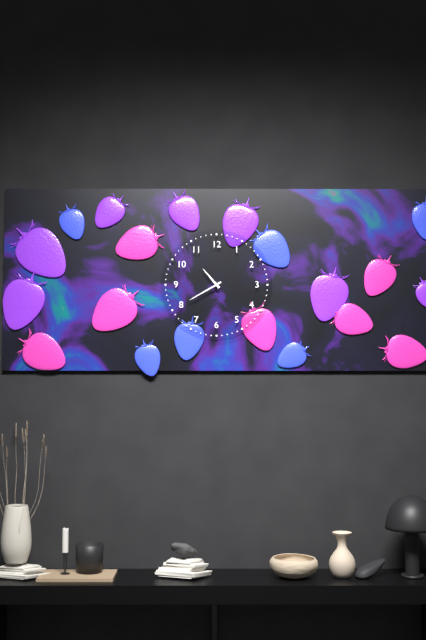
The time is **10:40**
